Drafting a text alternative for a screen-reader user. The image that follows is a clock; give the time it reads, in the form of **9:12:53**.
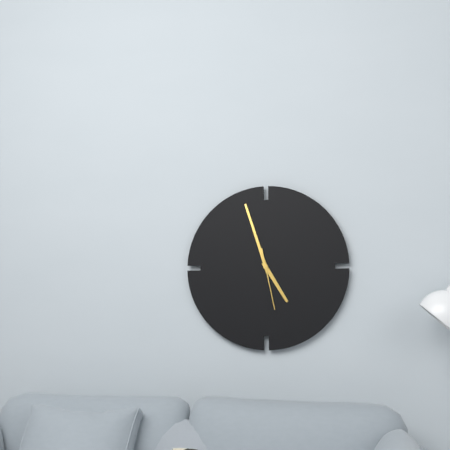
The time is **4:57:28**
